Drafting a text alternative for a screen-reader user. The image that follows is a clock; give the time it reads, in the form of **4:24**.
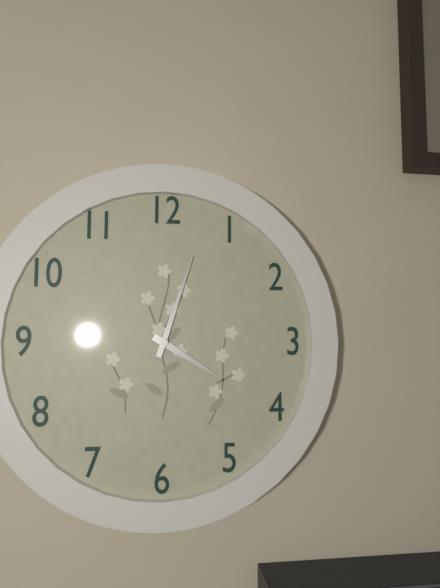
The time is **4:03**
